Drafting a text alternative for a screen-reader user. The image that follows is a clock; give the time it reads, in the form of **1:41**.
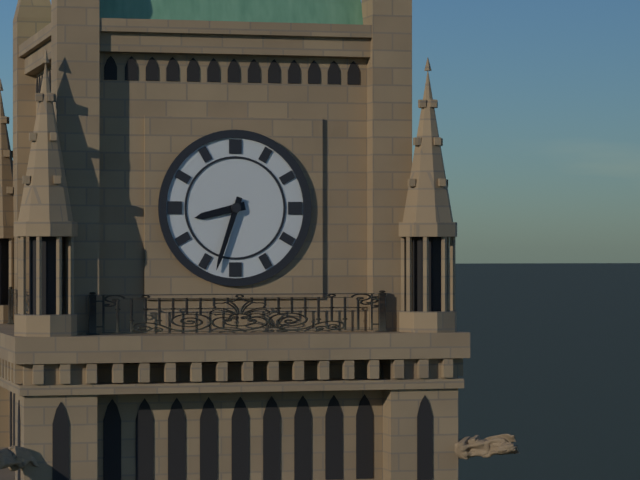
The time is **8:33**
